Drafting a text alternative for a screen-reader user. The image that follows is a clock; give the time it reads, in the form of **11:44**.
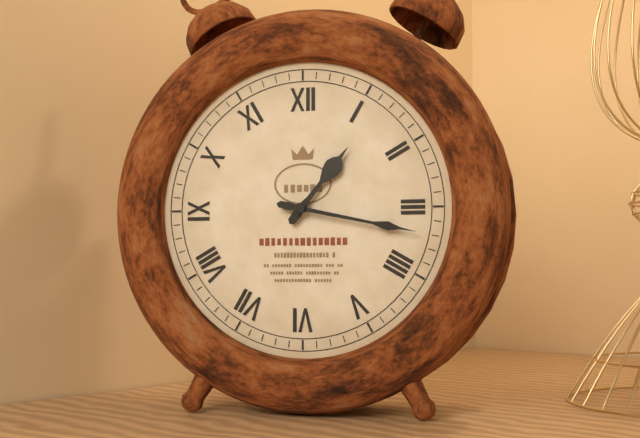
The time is **1:17**
